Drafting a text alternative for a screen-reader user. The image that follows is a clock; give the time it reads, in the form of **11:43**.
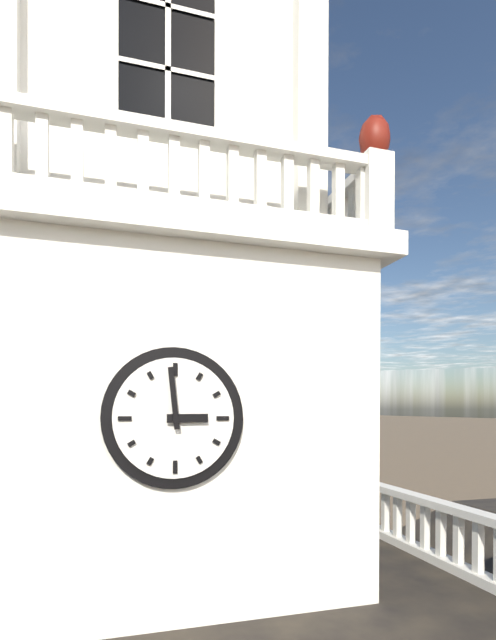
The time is **2:59**
